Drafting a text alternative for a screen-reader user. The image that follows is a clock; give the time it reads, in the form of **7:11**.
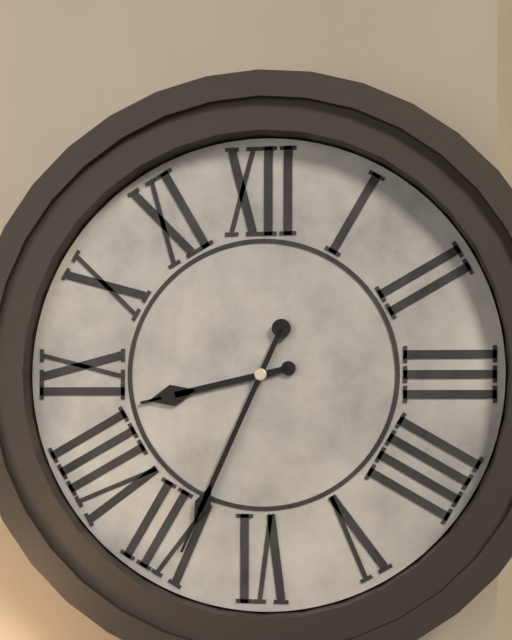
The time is **8:34**
